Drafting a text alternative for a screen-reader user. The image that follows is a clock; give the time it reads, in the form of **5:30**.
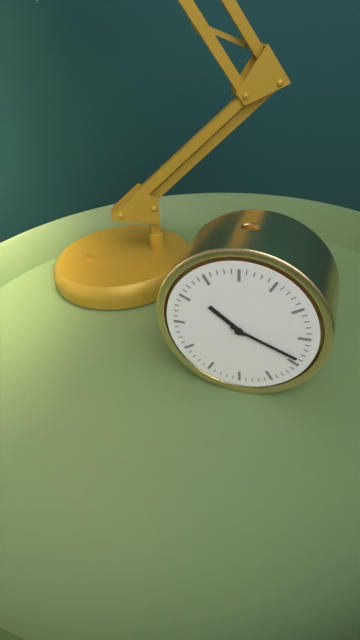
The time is **10:19**
